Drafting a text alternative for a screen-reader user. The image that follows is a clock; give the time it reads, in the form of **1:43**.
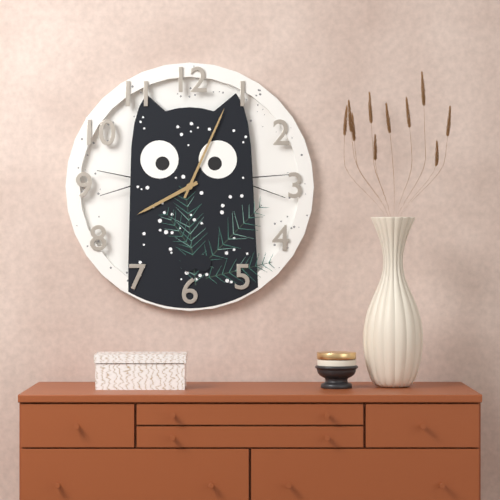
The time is **8:04**
